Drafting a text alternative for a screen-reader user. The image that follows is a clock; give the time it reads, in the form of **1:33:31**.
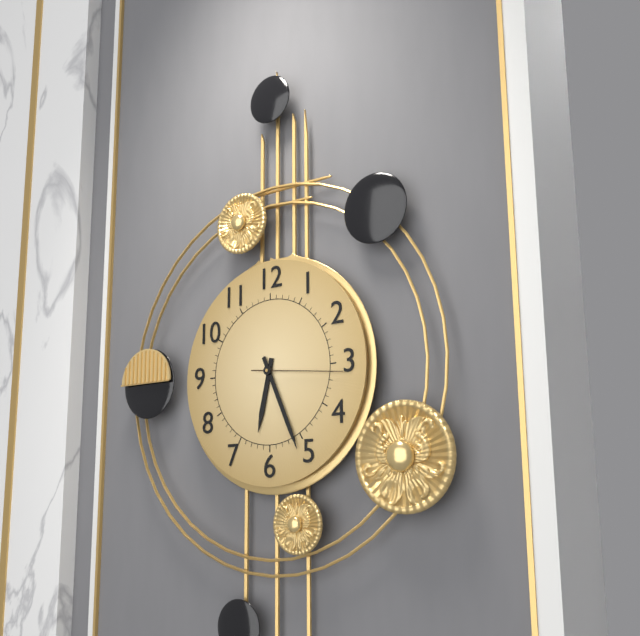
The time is **6:26:16**
